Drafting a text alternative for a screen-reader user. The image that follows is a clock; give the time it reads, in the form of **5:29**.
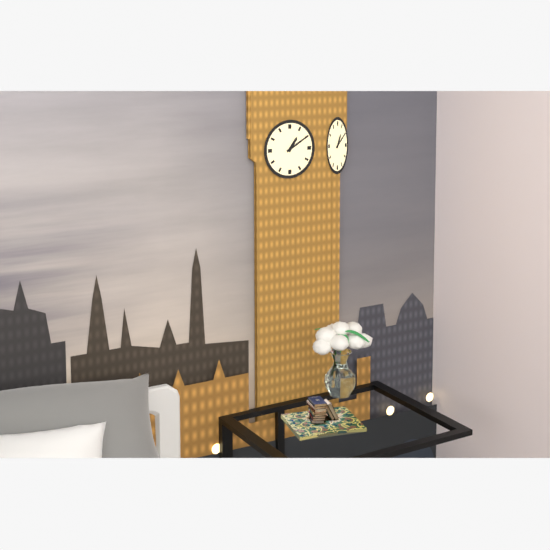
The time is **1:10**
